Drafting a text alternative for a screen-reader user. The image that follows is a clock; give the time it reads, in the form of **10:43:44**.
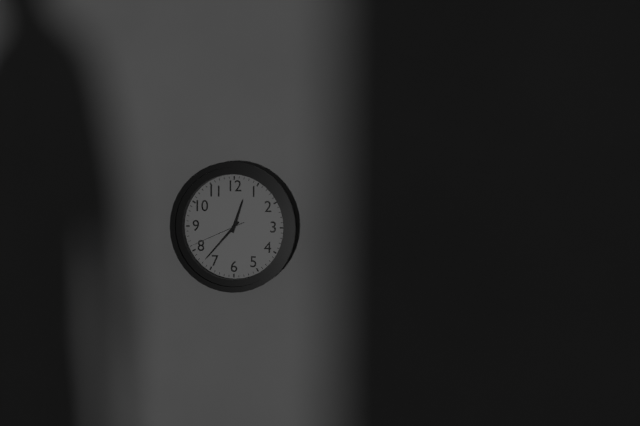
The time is **12:37:41**
